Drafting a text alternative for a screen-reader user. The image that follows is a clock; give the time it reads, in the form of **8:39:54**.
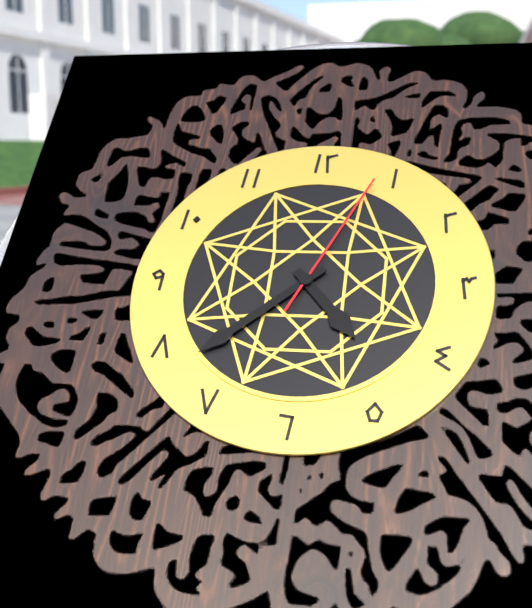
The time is **4:38:04**
